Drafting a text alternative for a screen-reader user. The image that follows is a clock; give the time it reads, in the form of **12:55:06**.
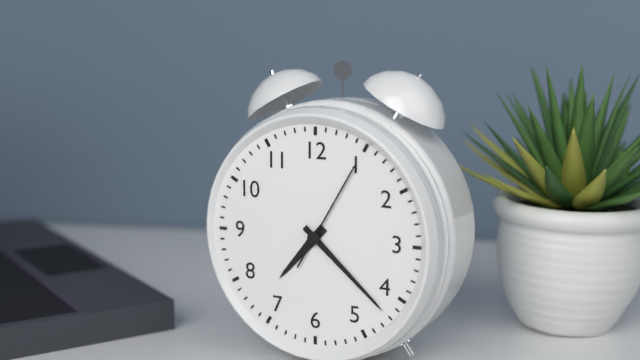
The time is **7:22:05**
